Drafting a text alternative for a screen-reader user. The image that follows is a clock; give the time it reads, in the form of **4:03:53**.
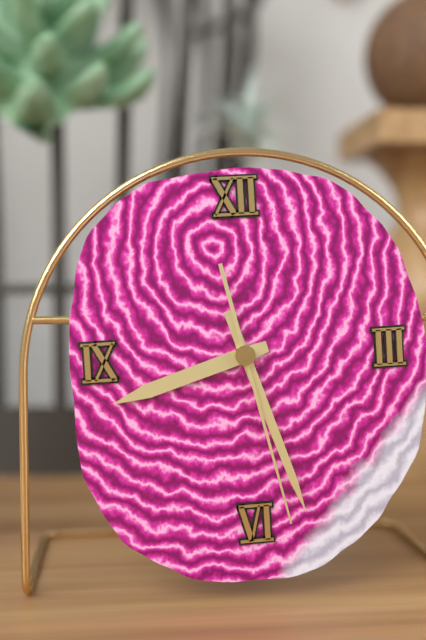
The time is **8:27:28**
